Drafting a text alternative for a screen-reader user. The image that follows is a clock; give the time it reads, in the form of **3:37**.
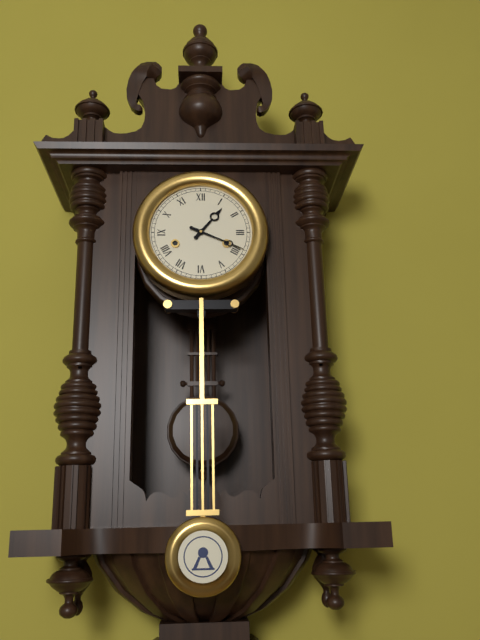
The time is **1:19**
